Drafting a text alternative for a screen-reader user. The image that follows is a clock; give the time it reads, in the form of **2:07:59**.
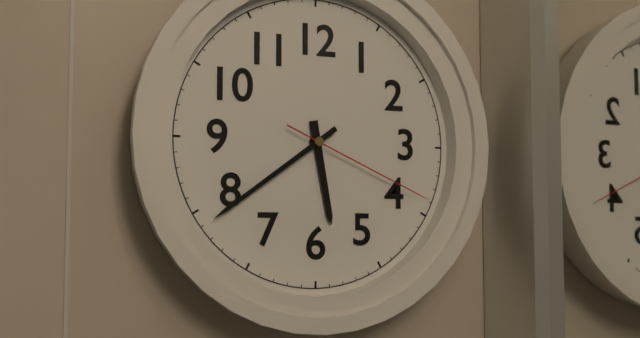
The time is **5:39:19**
